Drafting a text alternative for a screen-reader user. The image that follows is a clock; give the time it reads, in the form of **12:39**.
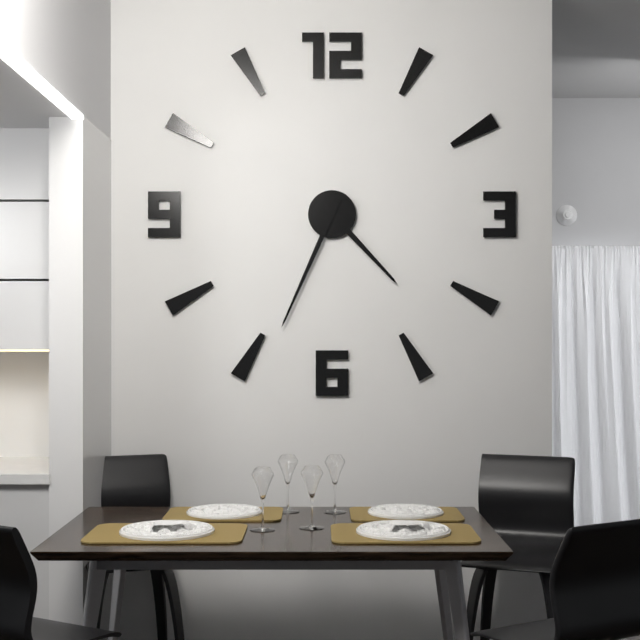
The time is **4:34**
